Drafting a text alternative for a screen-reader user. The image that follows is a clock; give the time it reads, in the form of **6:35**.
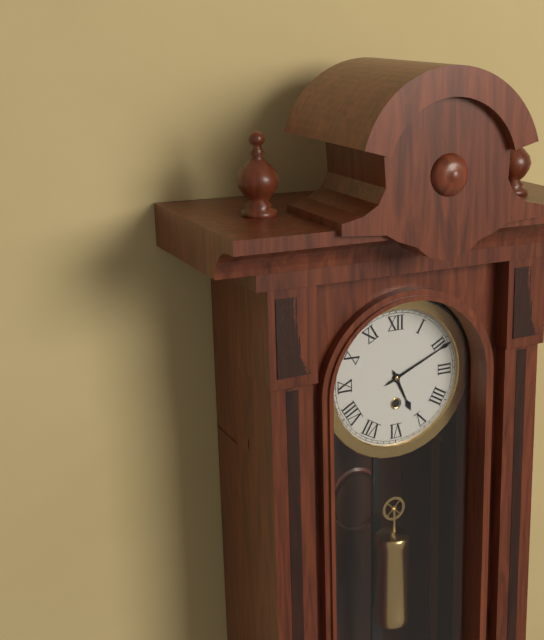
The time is **5:11**
